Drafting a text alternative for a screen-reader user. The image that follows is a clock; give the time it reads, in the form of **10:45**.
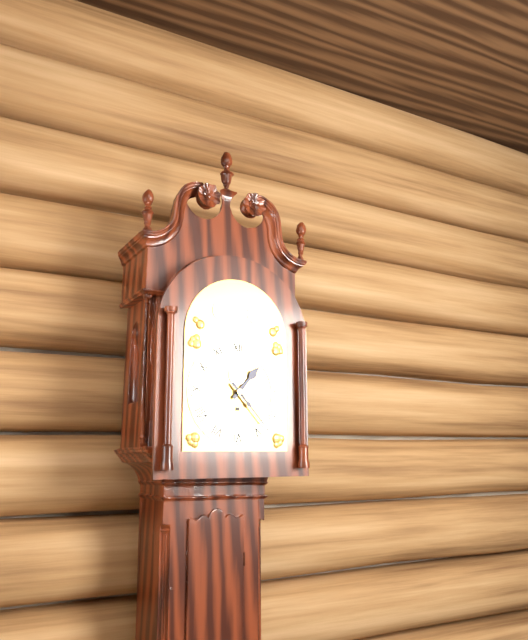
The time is **1:23**
